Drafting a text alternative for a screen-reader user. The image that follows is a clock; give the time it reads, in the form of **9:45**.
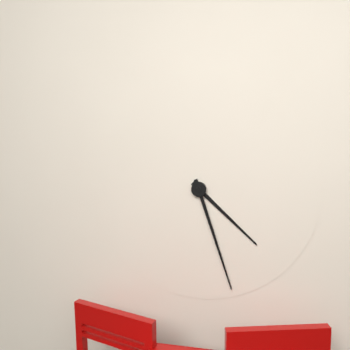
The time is **4:27**
